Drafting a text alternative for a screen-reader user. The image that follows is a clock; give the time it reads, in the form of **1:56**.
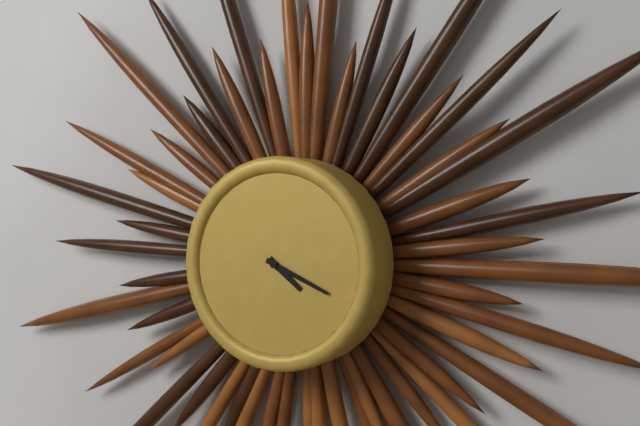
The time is **4:19**
